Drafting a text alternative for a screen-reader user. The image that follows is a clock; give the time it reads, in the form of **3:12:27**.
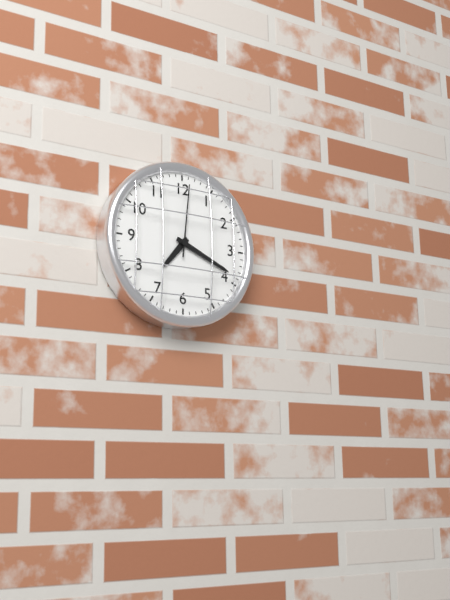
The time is **7:19:01**
